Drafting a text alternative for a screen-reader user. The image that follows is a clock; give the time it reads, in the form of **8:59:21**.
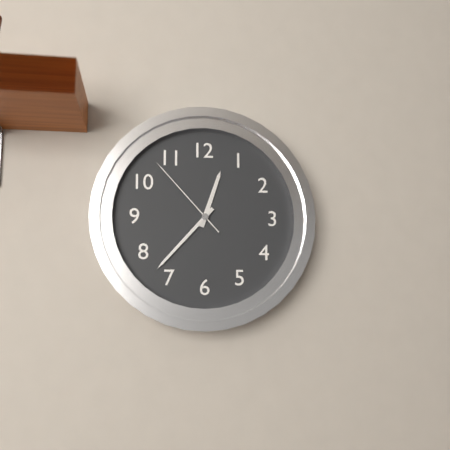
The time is **12:37:53**
